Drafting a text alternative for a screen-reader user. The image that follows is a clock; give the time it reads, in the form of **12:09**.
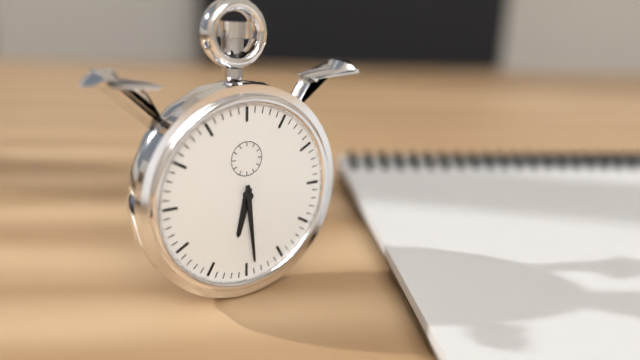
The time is **6:29**
